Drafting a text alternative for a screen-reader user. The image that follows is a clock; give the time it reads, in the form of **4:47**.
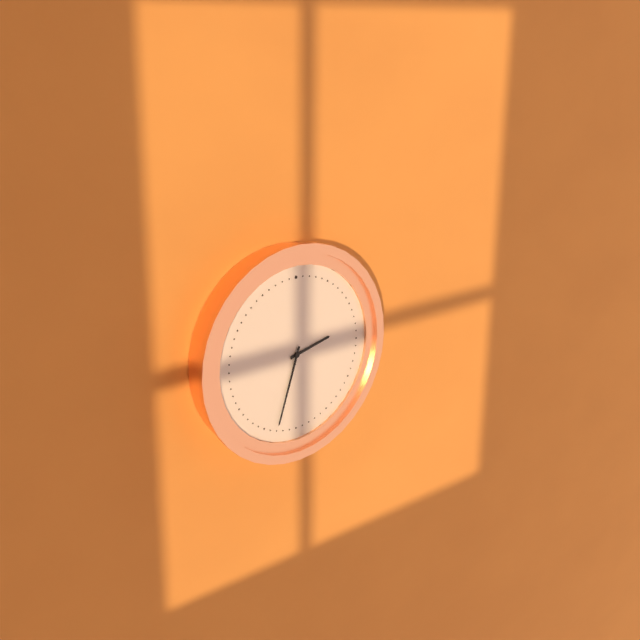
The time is **2:33**
